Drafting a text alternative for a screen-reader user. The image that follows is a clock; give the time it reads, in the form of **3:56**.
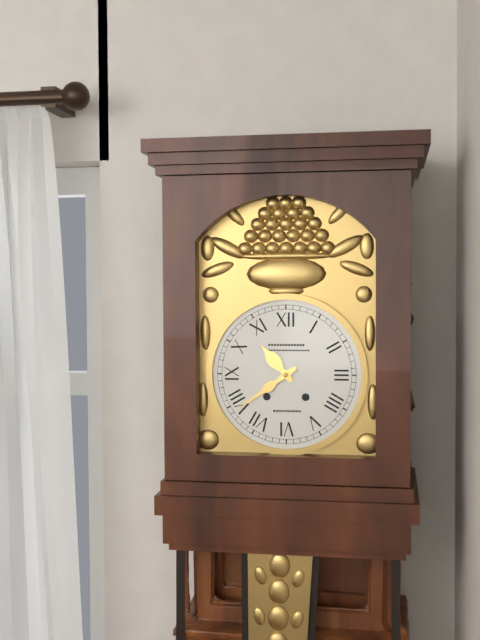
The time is **10:39**
